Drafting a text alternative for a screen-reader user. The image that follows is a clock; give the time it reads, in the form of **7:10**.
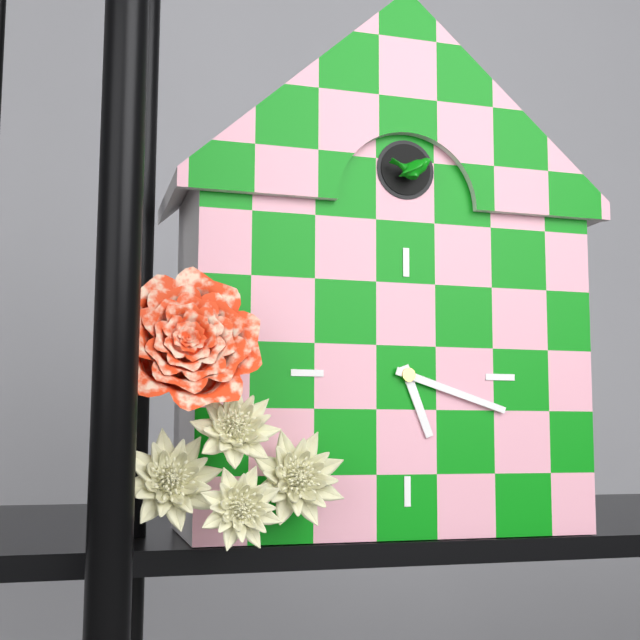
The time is **5:18**
